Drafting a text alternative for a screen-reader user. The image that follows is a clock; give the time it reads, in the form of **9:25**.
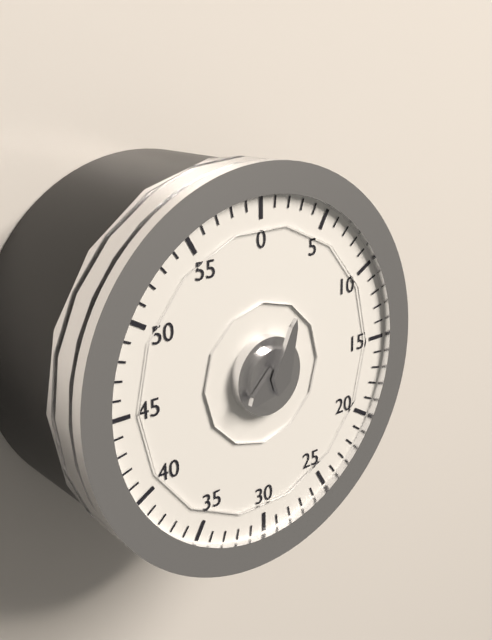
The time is **8:03**
